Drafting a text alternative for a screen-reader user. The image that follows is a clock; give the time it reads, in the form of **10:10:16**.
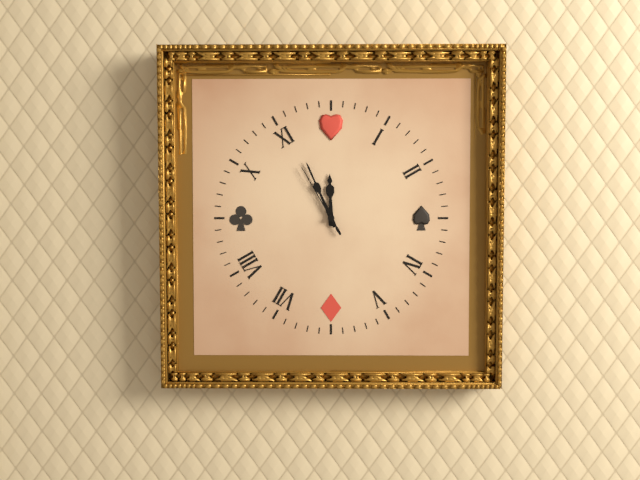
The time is **11:56:55**
